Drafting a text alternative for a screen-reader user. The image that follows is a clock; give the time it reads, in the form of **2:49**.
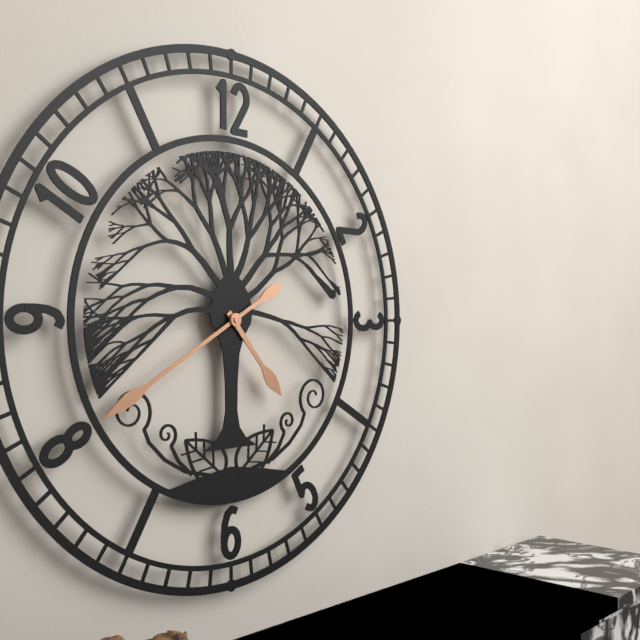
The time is **4:40**
